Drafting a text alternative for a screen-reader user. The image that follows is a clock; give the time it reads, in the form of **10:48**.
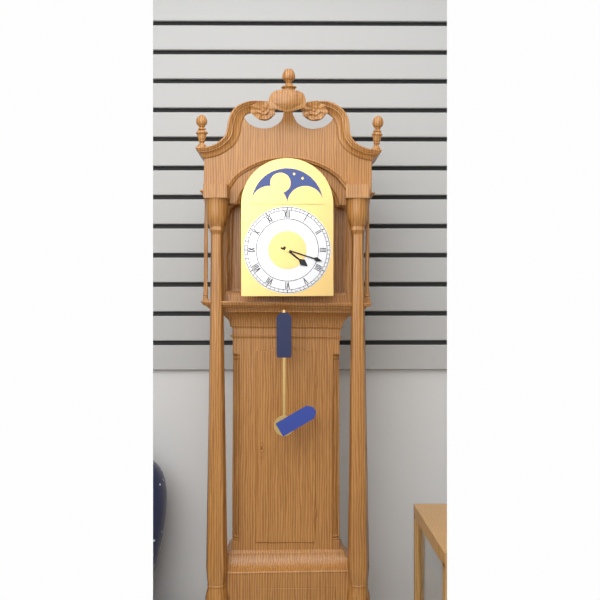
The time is **4:18**
